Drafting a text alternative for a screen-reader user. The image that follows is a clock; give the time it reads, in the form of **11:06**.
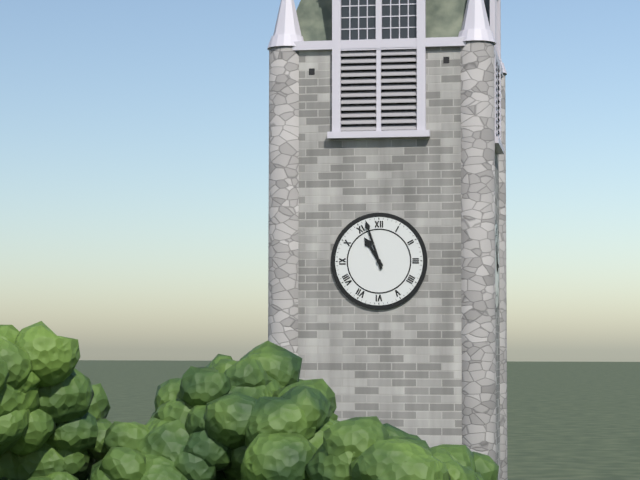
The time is **10:57**
